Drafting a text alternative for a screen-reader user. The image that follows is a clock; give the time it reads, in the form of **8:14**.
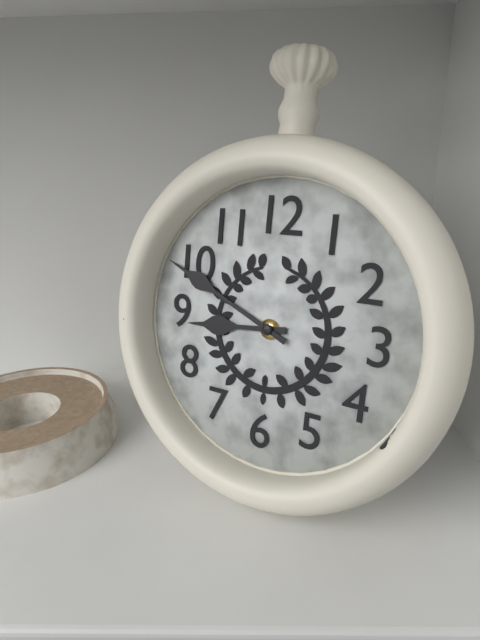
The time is **8:49**
